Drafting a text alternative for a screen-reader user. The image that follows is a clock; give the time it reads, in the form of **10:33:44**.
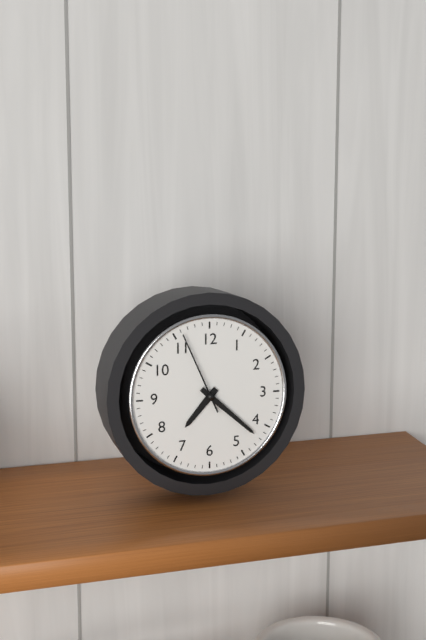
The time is **7:22:56**
